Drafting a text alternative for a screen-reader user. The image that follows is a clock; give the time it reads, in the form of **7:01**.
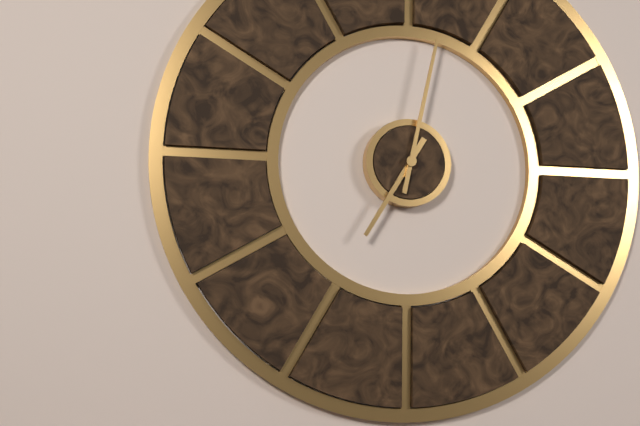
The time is **7:02**
